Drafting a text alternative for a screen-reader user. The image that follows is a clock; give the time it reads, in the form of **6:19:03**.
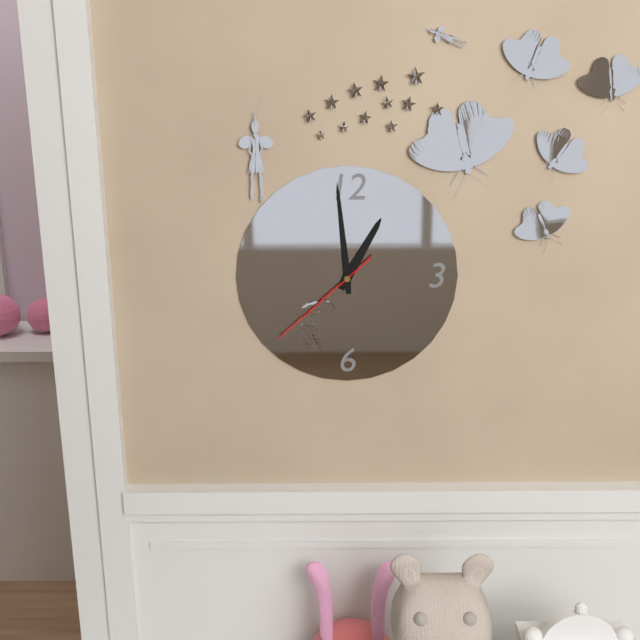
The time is **12:59:38**
